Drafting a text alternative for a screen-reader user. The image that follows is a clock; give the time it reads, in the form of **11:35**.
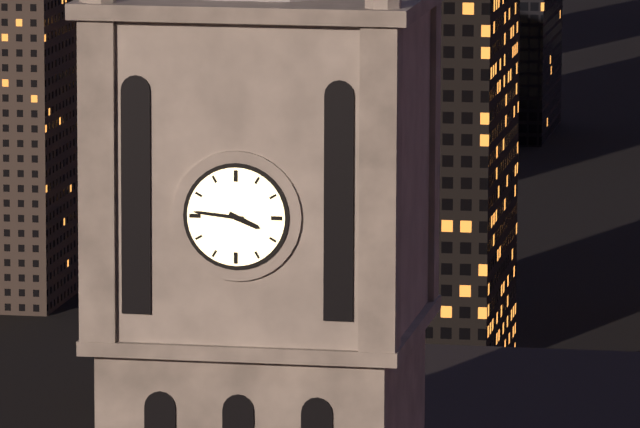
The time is **3:46**
